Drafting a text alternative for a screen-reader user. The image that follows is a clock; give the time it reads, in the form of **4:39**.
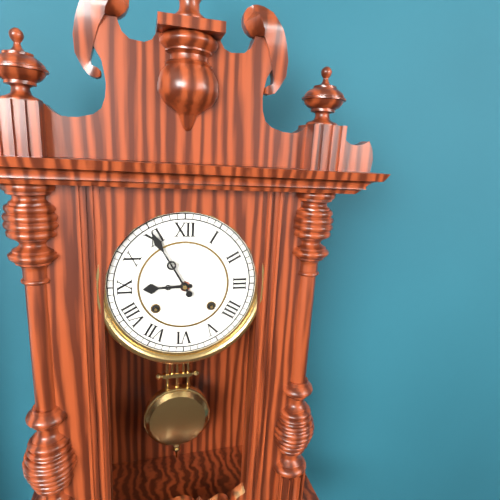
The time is **8:55**
